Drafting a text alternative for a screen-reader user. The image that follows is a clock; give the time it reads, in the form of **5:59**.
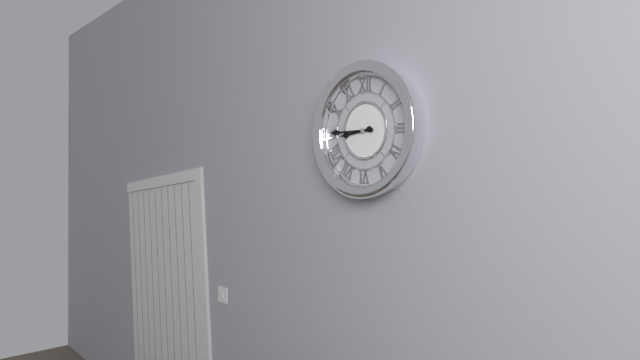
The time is **8:45**
